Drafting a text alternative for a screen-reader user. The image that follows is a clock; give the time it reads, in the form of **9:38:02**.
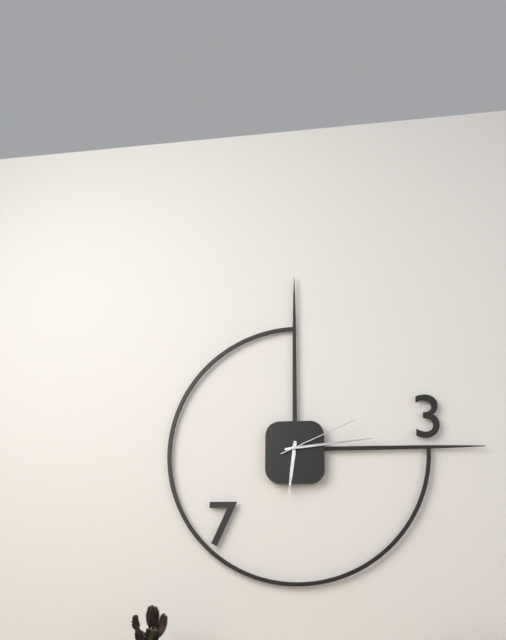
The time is **6:14:11**
